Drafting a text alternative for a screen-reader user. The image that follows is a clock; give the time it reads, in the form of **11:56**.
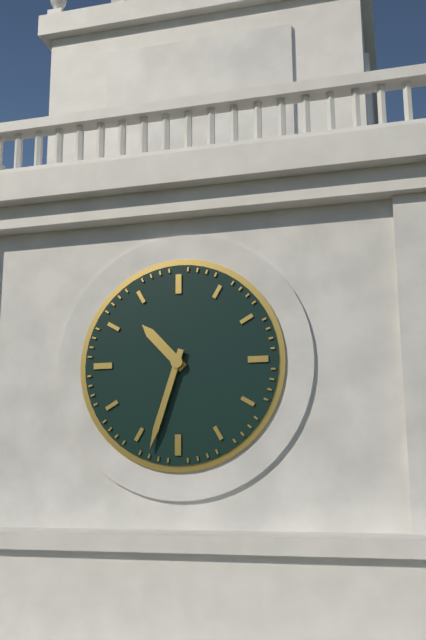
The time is **10:33**
